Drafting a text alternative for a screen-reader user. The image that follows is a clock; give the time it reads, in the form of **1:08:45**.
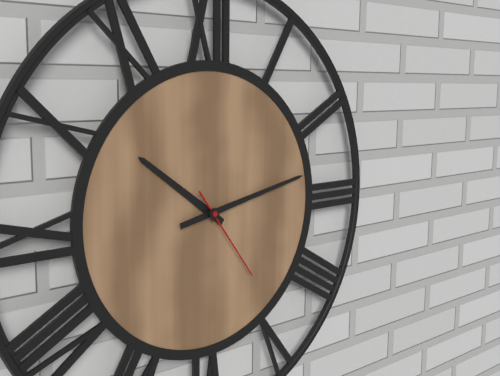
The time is **10:13:24**
